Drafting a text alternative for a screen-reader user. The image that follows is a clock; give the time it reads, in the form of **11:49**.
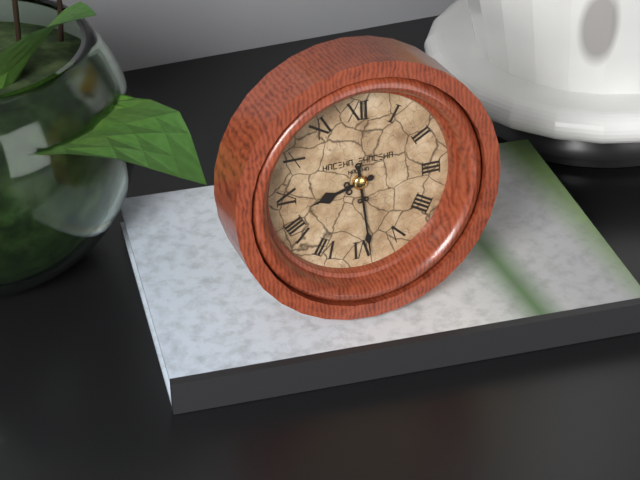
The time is **8:29**
